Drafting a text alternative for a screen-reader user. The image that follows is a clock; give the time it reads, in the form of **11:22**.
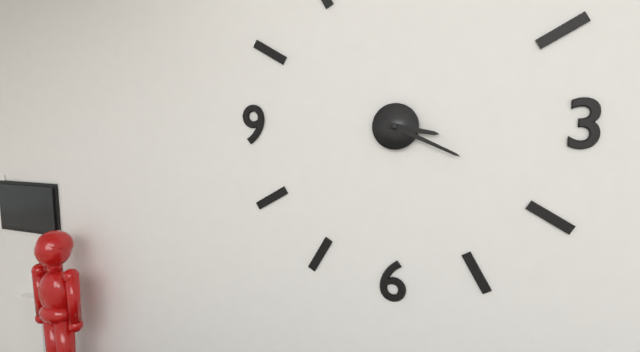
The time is **3:19**
